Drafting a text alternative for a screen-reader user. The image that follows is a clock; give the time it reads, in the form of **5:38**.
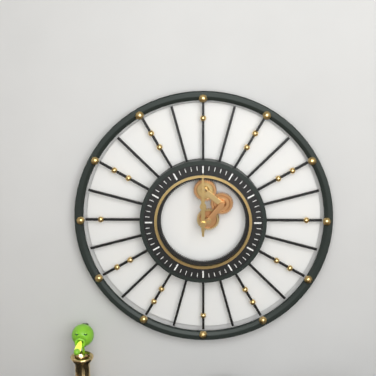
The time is **12:00**
